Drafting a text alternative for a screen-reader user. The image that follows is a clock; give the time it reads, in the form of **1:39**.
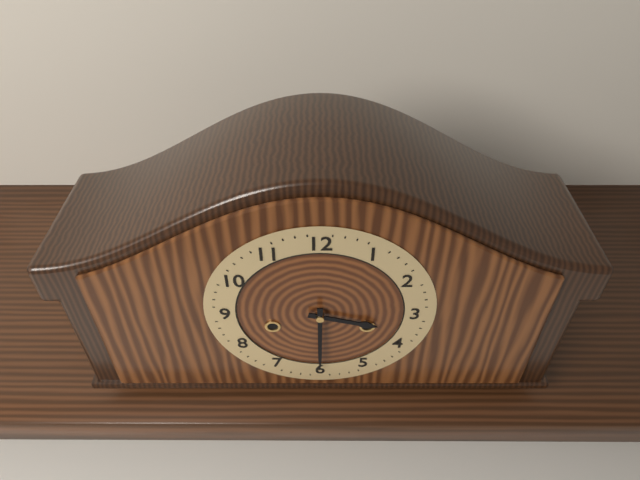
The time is **3:30**
